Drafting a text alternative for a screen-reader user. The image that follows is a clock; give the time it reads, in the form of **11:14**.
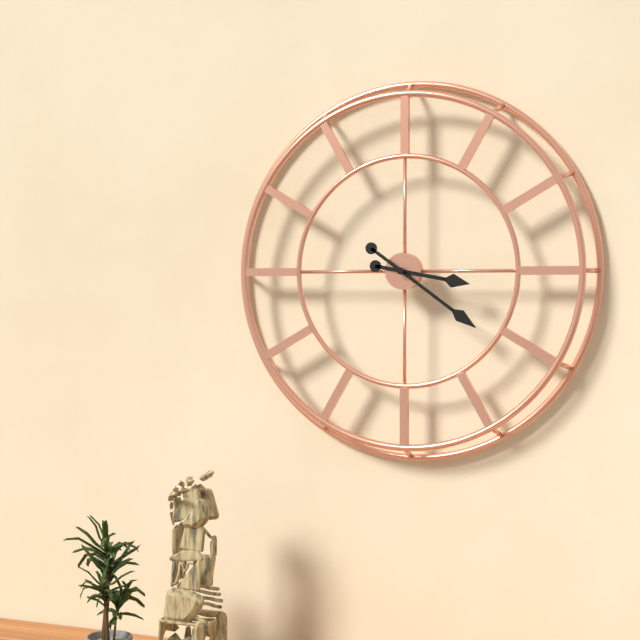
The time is **3:21**
